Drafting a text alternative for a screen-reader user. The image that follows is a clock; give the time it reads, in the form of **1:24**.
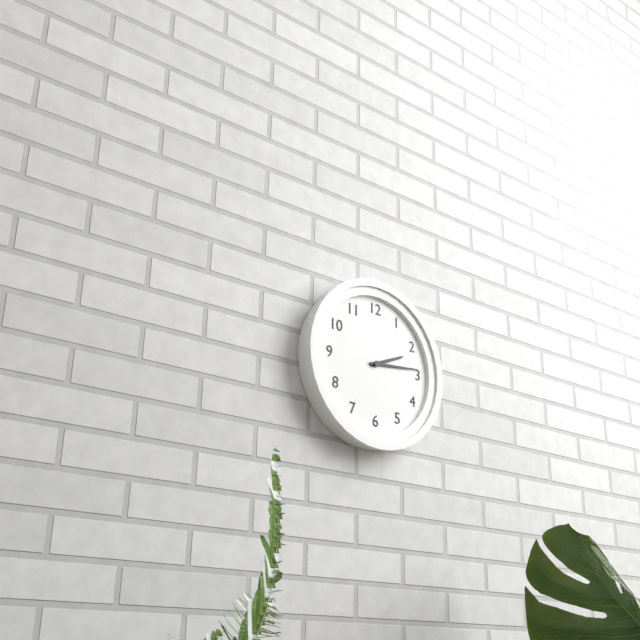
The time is **2:14**
